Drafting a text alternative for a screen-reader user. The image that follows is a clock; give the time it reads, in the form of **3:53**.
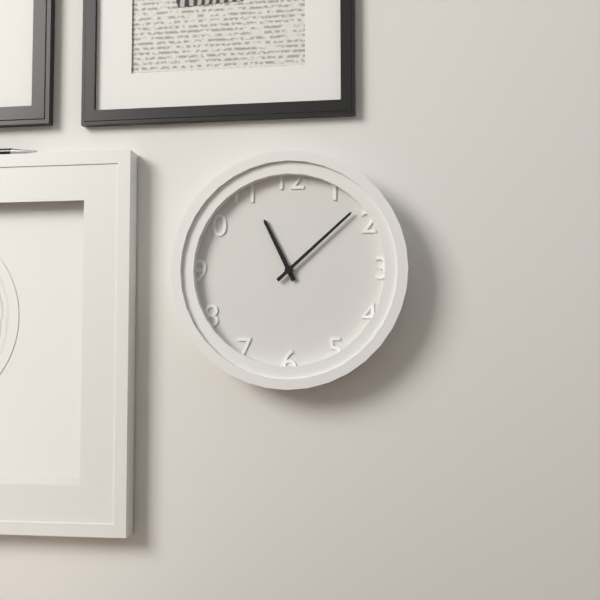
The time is **11:08**
